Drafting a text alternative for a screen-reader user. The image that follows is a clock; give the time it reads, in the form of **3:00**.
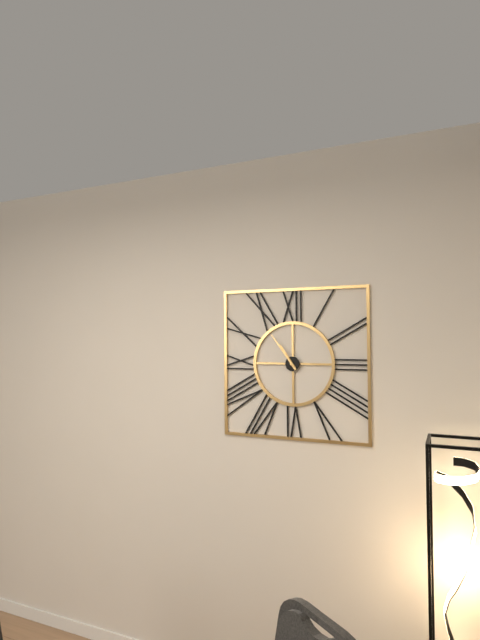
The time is **10:54**
